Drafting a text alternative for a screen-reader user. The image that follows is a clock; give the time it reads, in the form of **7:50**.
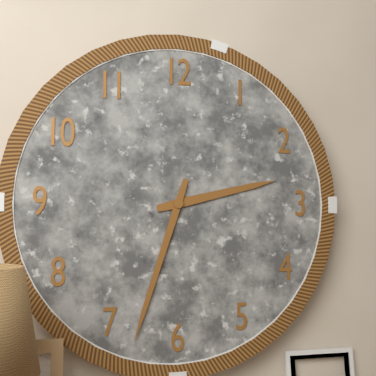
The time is **2:33**
